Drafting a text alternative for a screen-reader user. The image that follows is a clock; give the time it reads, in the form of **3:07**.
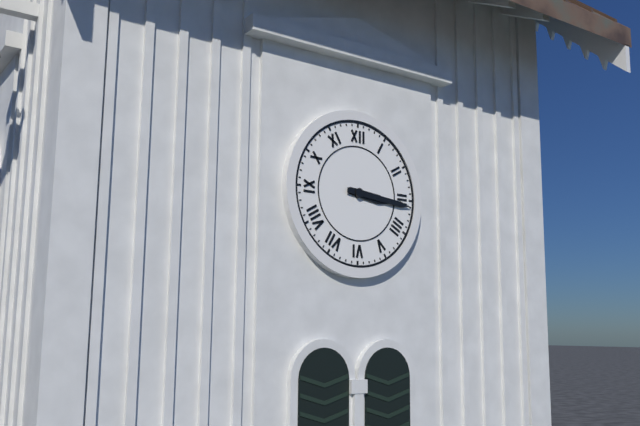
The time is **3:16**
